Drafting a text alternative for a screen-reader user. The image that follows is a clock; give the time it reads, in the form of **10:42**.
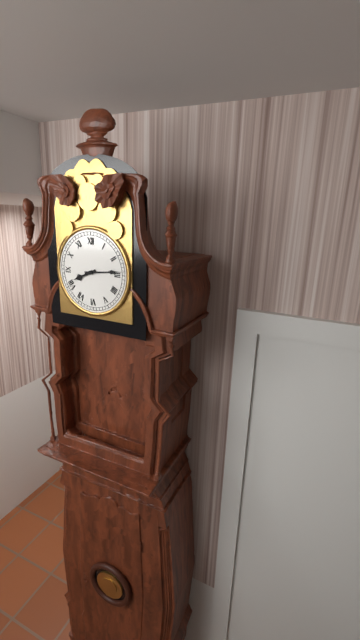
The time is **8:14**
